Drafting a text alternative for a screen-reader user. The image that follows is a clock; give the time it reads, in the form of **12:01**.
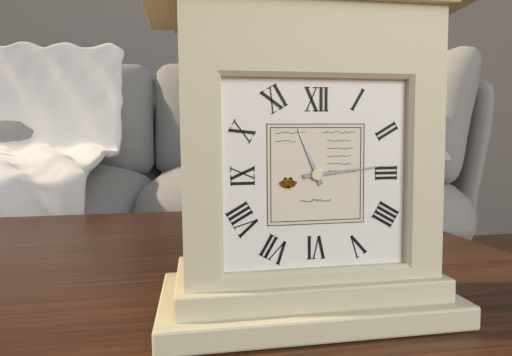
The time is **11:14**
